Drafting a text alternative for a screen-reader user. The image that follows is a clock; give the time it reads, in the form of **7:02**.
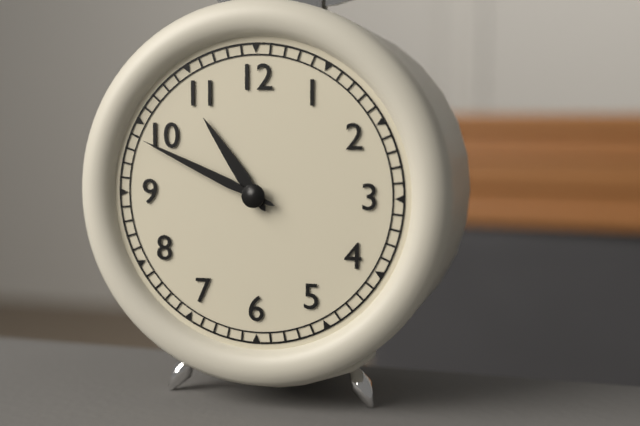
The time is **10:49**
